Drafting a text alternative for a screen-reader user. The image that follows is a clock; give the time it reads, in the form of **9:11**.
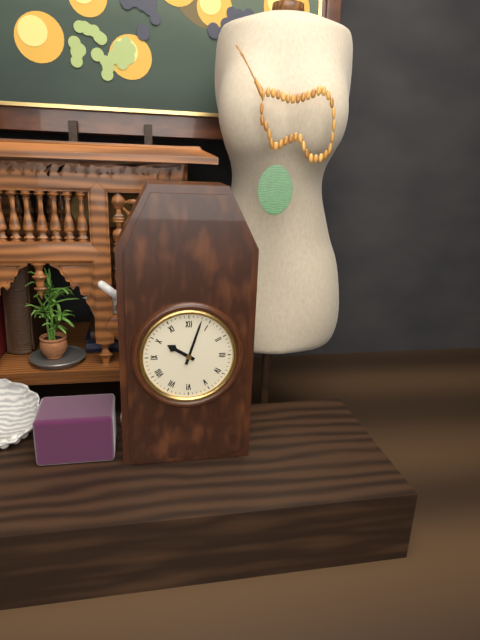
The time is **10:03**
